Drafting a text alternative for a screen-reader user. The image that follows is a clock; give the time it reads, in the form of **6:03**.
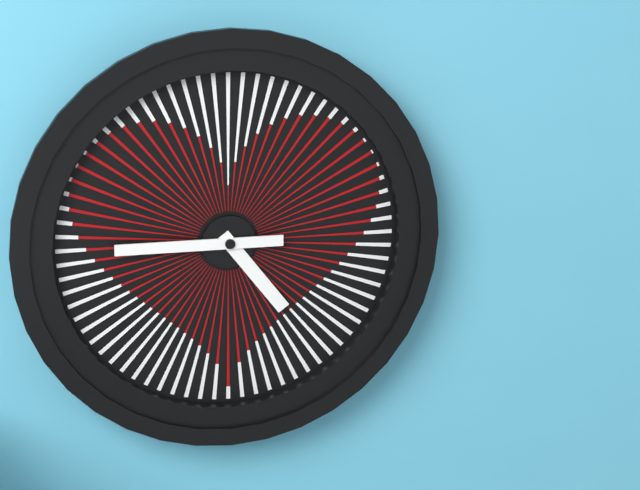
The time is **4:45**
